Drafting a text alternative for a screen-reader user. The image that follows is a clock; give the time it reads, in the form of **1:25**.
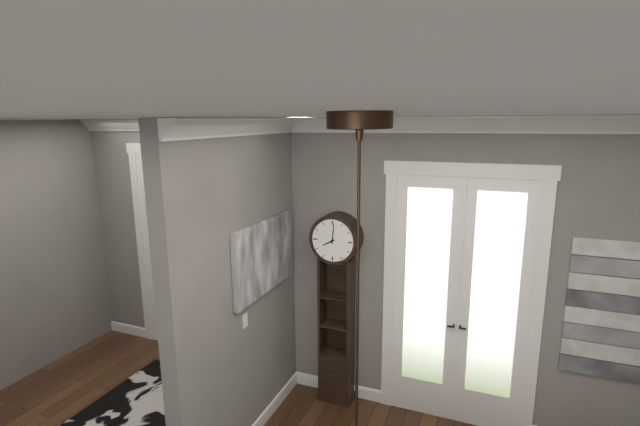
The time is **8:01**
